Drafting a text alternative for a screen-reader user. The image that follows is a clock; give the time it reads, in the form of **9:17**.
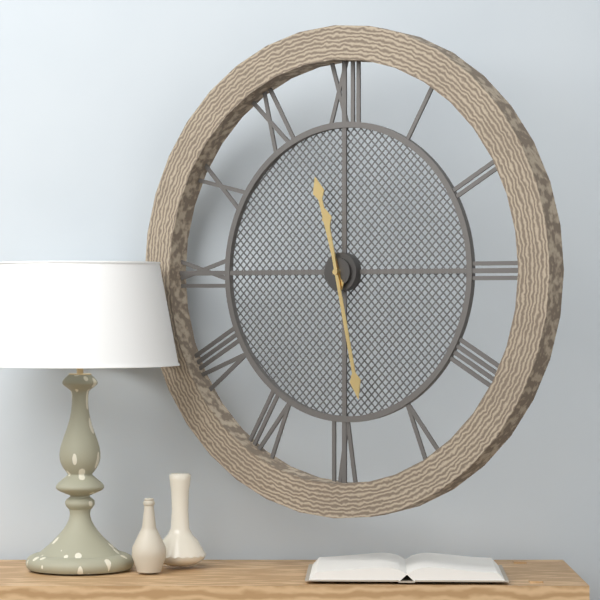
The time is **11:28**
